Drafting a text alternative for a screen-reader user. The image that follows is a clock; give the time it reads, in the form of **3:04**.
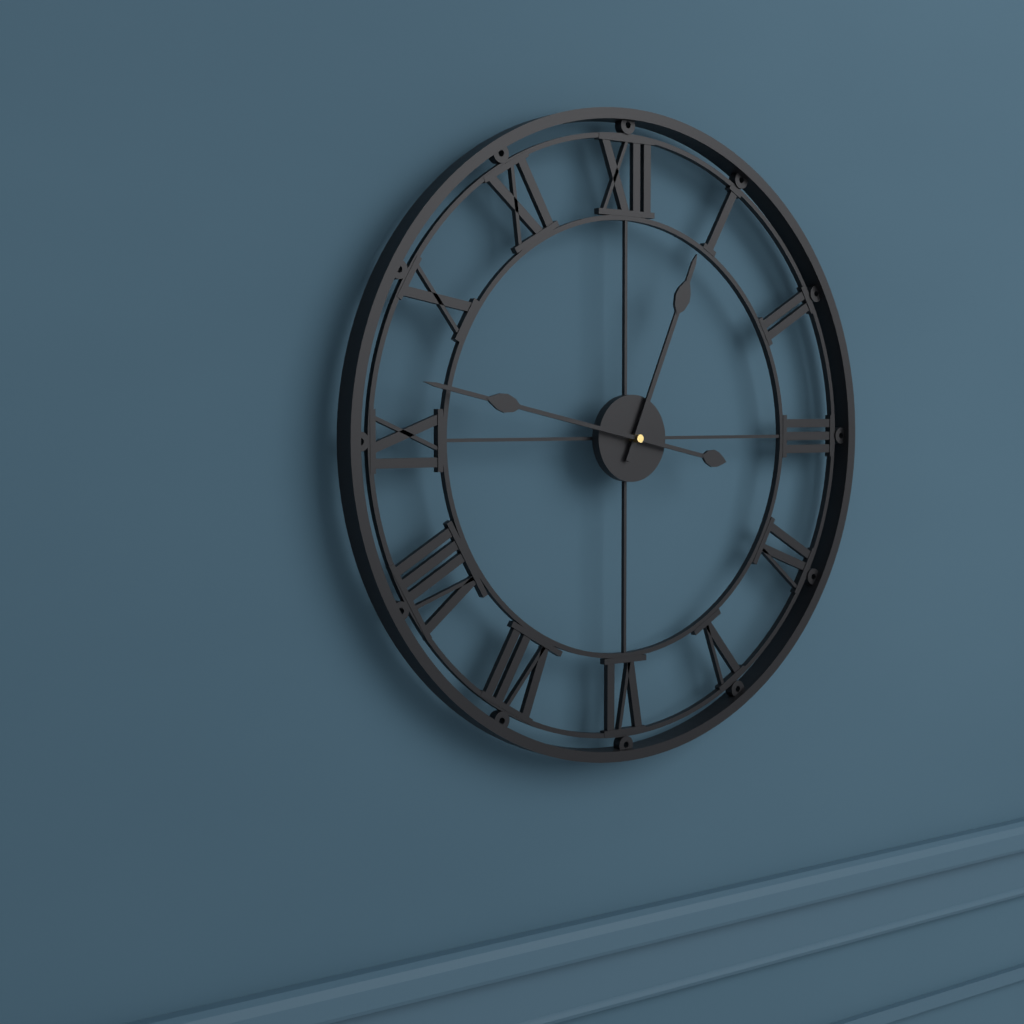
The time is **12:47**
